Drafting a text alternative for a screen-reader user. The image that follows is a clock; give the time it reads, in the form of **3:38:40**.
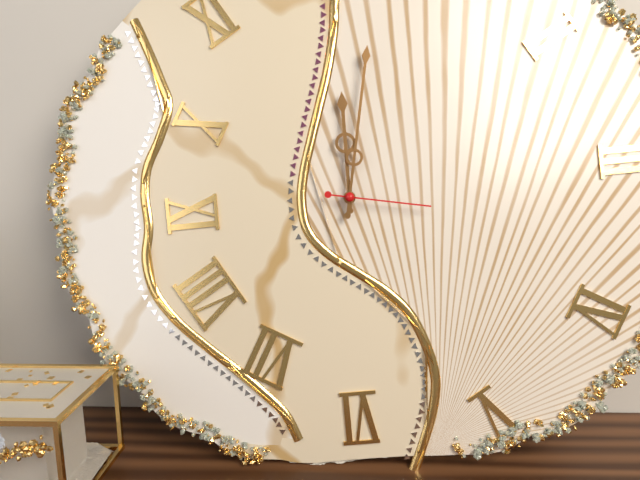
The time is **12:02:17**
